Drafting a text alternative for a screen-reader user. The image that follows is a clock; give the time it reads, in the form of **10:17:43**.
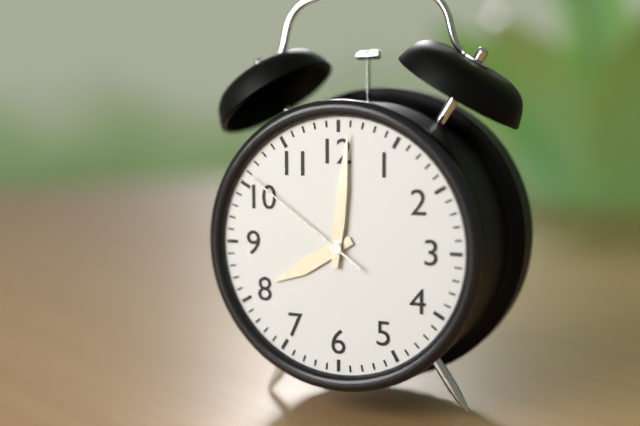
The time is **8:01:51**
